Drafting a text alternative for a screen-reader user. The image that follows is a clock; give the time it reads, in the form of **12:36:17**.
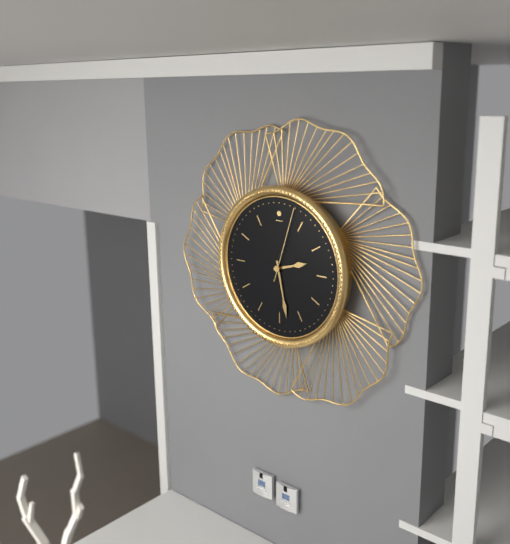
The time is **2:28:03**
